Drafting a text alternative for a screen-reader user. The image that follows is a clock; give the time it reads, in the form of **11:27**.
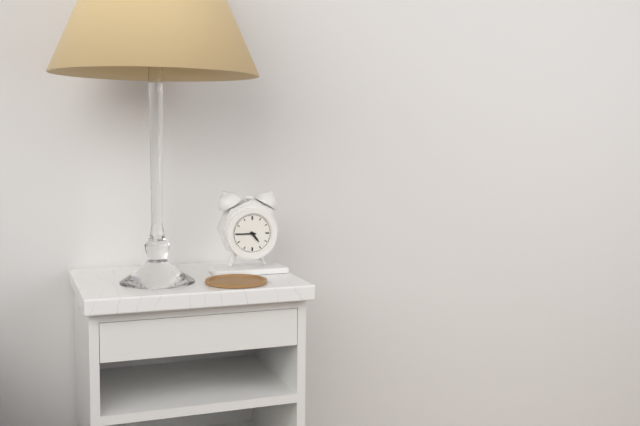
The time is **4:45**
